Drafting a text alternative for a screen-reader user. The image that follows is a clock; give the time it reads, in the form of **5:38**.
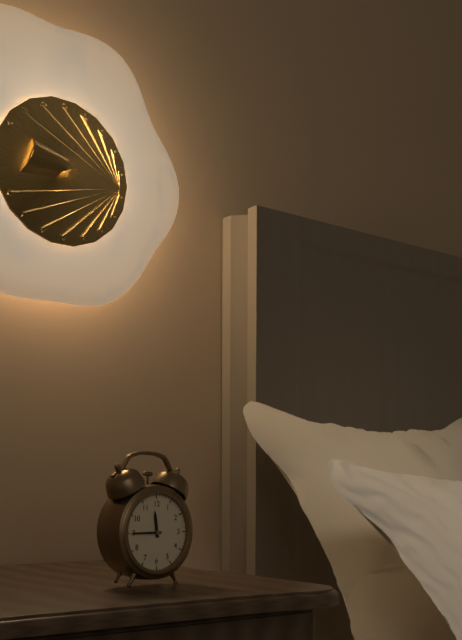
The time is **11:45**
